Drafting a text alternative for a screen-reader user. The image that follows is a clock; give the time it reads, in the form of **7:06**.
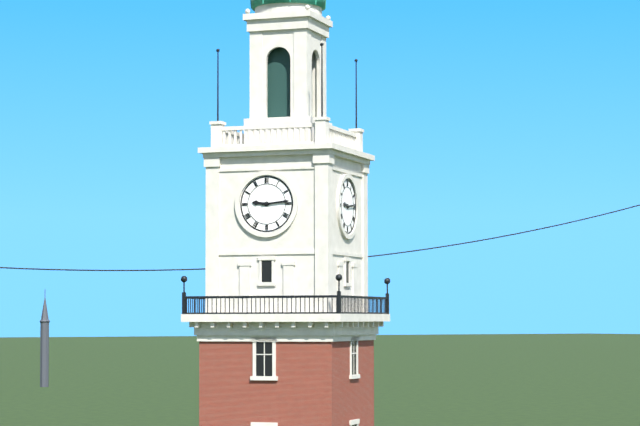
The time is **9:14**
